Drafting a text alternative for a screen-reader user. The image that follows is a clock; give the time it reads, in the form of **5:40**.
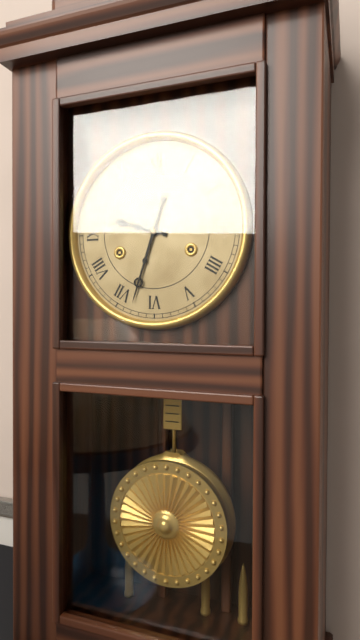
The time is **9:33**
